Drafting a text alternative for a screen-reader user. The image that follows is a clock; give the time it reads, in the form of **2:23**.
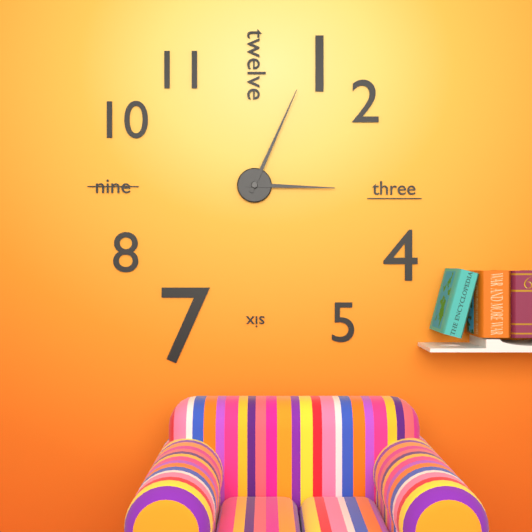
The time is **3:04**
